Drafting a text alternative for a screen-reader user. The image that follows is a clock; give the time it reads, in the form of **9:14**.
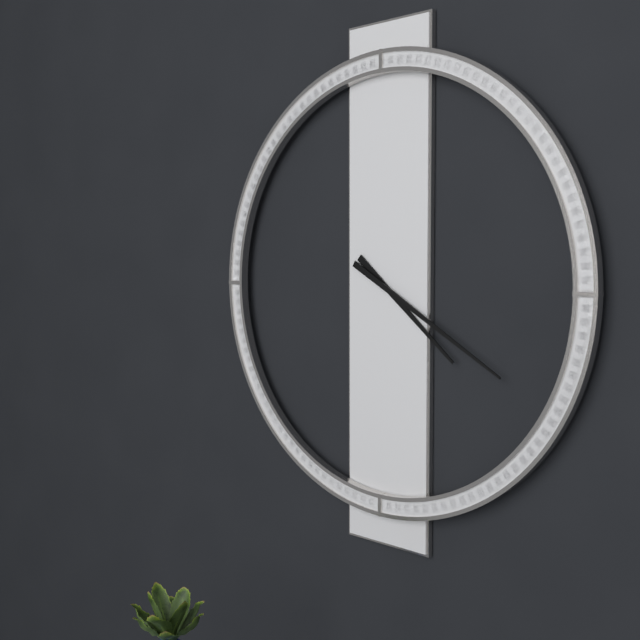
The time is **4:20**
